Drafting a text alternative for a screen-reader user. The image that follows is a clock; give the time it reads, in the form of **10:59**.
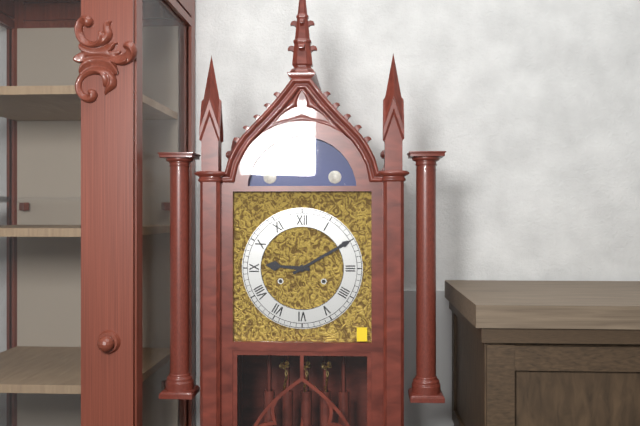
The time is **9:10**
